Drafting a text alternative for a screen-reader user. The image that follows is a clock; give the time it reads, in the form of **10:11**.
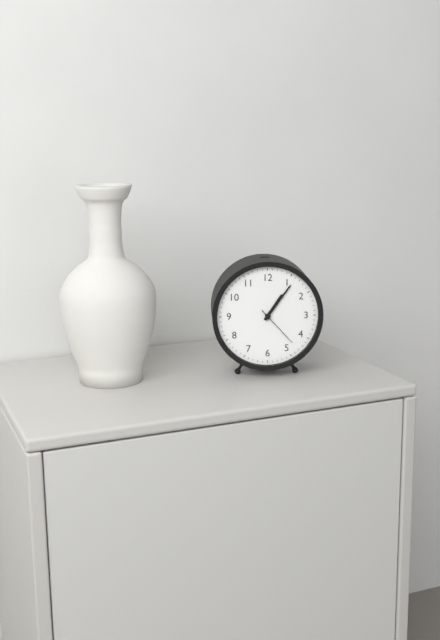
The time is **1:06**
